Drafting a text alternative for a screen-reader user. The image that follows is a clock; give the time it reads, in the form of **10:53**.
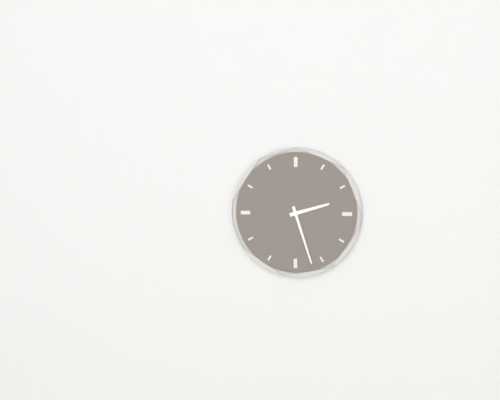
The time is **2:27**
